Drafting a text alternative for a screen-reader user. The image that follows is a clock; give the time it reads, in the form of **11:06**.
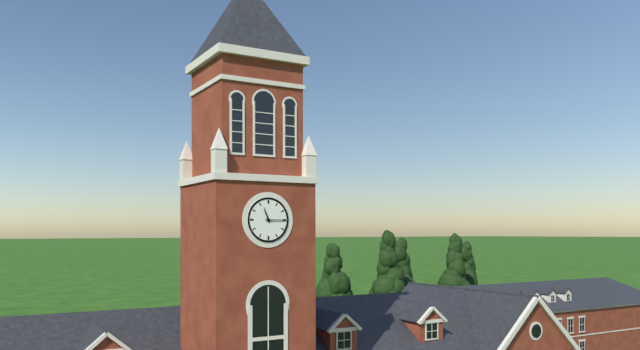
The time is **11:15**
